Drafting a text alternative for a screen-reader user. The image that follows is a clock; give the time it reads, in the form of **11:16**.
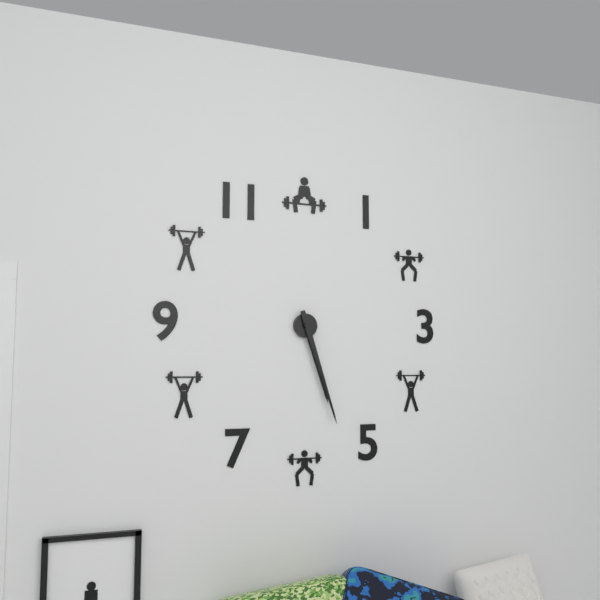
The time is **5:27**
